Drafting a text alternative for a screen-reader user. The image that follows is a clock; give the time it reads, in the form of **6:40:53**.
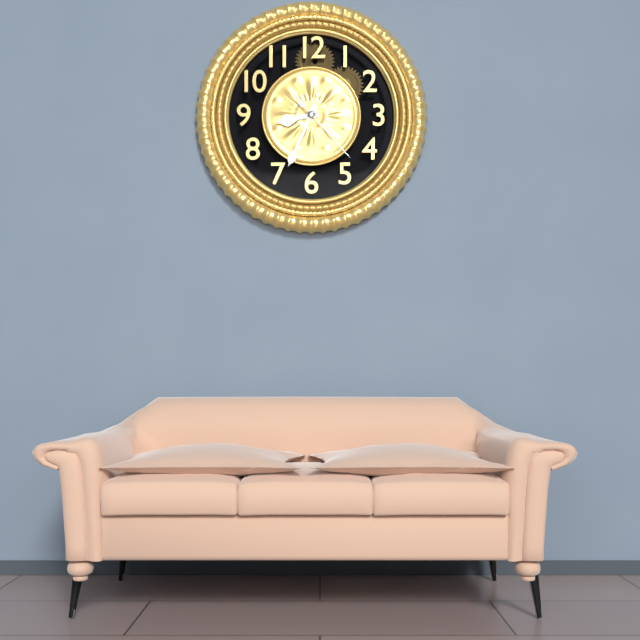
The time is **8:34:23**
